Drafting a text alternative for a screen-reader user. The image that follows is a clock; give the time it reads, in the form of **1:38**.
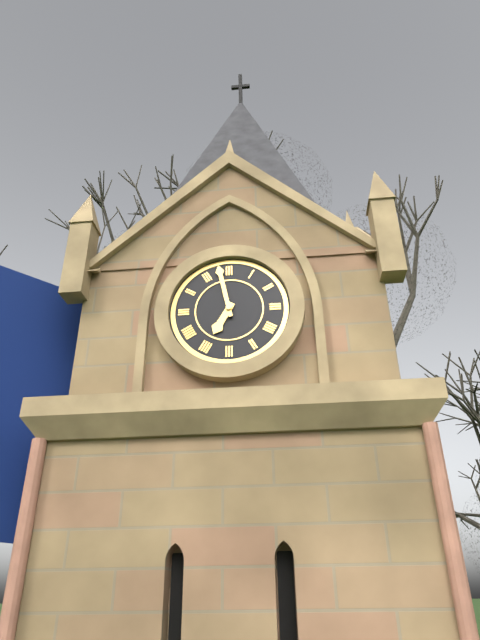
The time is **6:58**
